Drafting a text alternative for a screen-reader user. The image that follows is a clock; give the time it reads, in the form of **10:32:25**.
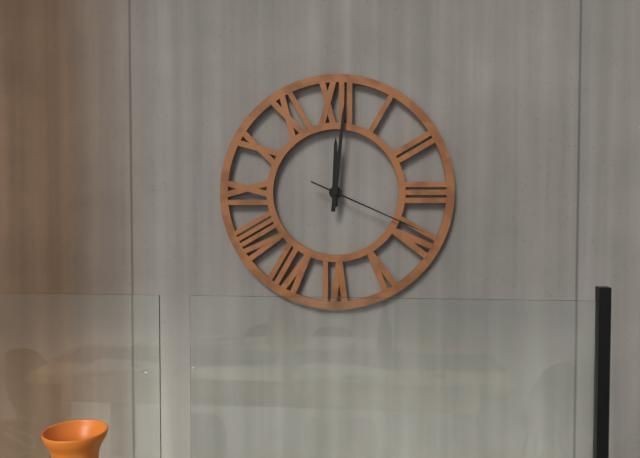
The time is **12:01:19**
